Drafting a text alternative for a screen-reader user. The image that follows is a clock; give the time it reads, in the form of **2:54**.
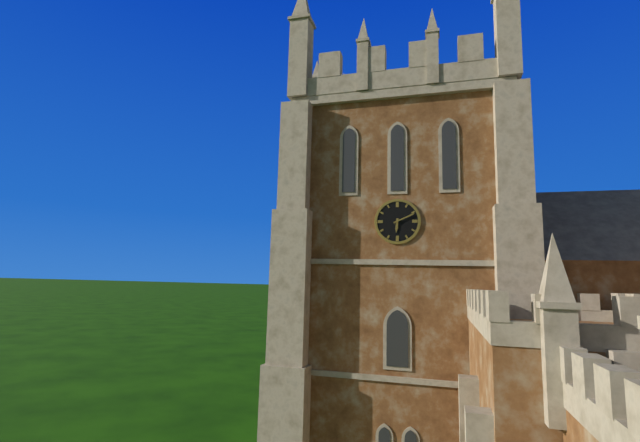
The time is **6:11**
